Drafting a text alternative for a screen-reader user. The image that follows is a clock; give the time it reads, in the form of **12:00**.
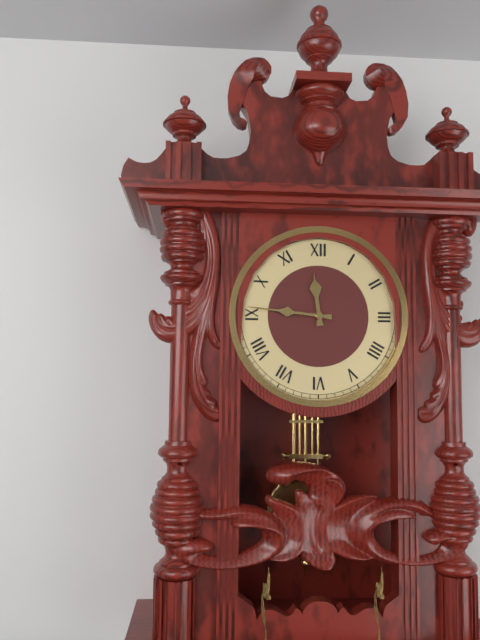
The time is **11:46**
